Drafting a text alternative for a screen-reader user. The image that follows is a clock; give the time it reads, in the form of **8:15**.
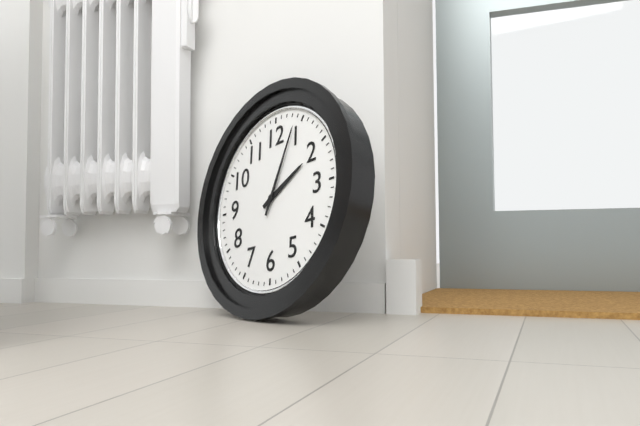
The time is **2:04**
